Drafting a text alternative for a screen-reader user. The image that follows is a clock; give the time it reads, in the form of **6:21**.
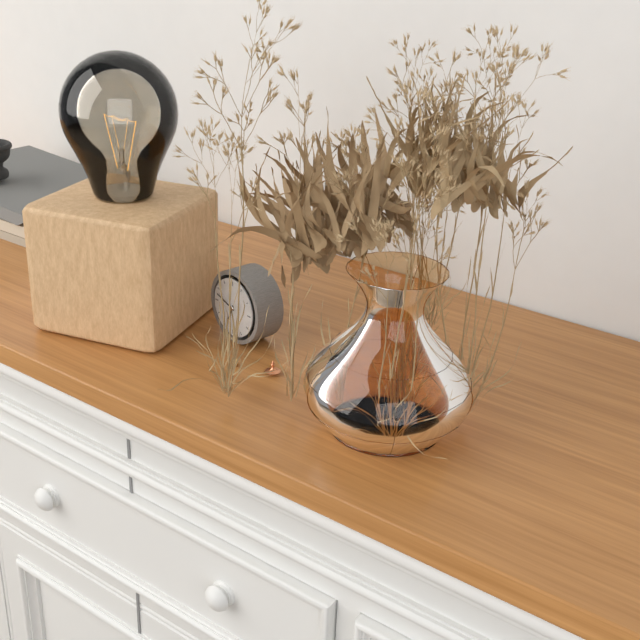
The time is **6:48**
